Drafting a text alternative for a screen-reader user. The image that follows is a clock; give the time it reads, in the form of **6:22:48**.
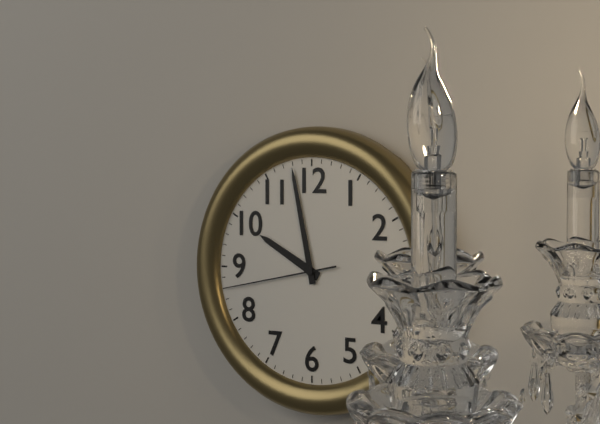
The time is **9:58:43**
